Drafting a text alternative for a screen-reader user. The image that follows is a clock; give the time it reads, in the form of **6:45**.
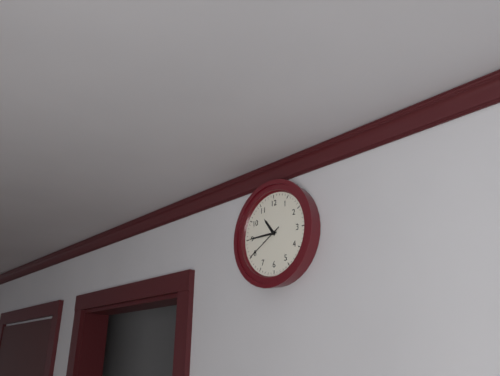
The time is **10:45**
